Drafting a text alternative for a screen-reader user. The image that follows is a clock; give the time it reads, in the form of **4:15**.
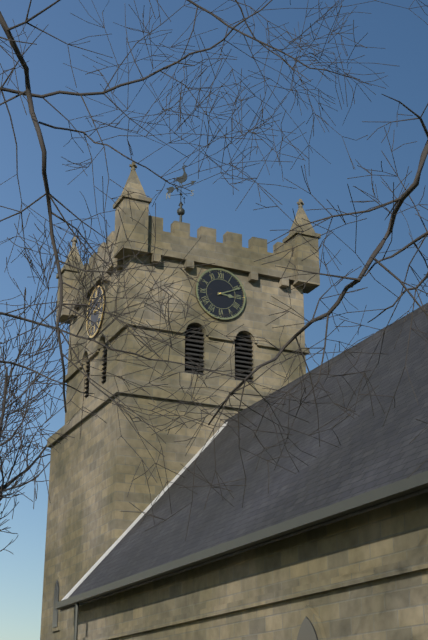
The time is **3:11**
